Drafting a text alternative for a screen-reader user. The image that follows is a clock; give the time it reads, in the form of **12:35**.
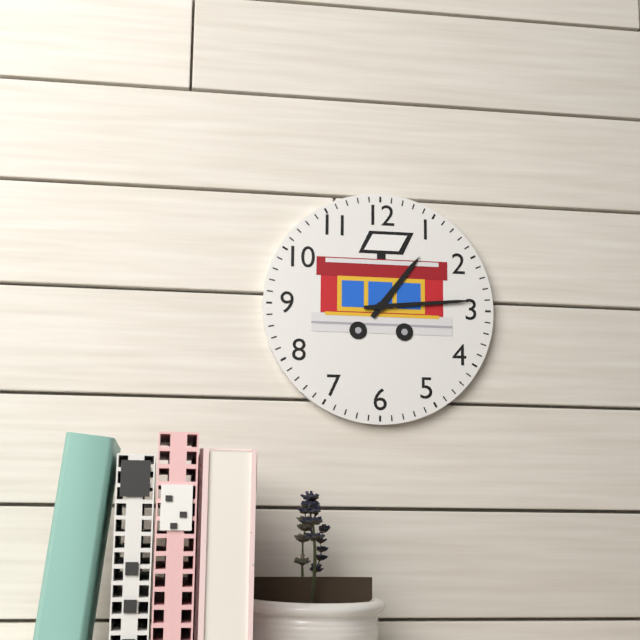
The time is **1:14**
